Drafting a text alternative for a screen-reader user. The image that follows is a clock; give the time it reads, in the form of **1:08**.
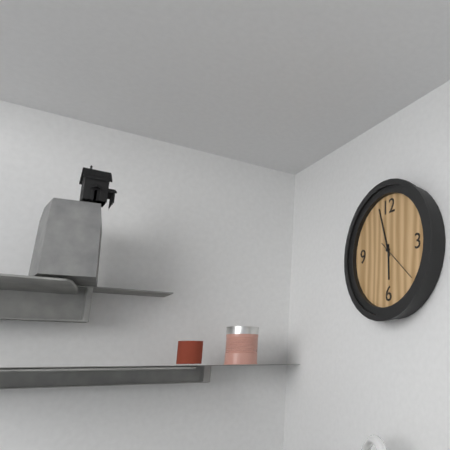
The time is **5:57**
